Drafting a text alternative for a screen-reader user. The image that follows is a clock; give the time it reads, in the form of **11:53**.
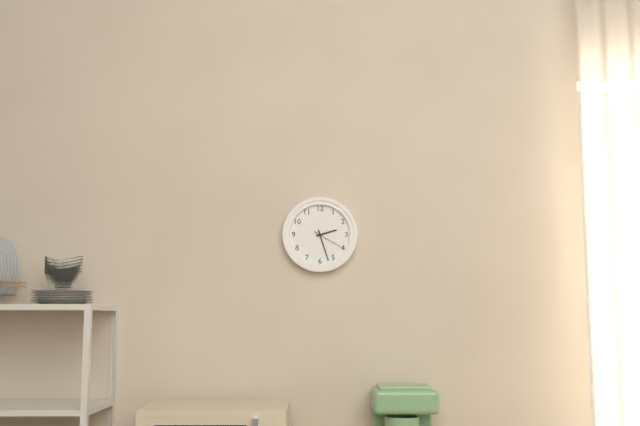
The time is **2:27**
